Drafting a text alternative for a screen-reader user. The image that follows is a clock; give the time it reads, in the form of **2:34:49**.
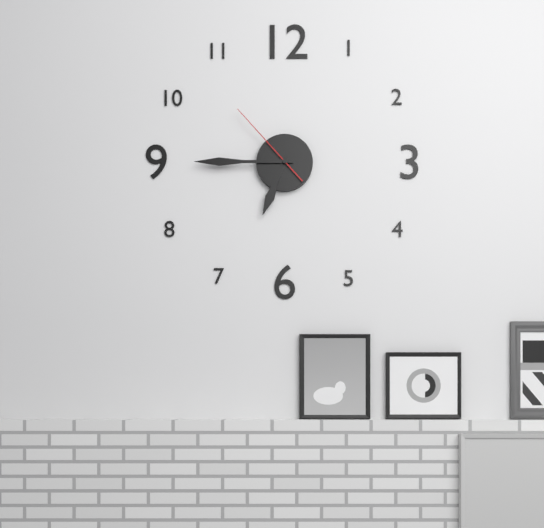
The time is **6:45:53**
